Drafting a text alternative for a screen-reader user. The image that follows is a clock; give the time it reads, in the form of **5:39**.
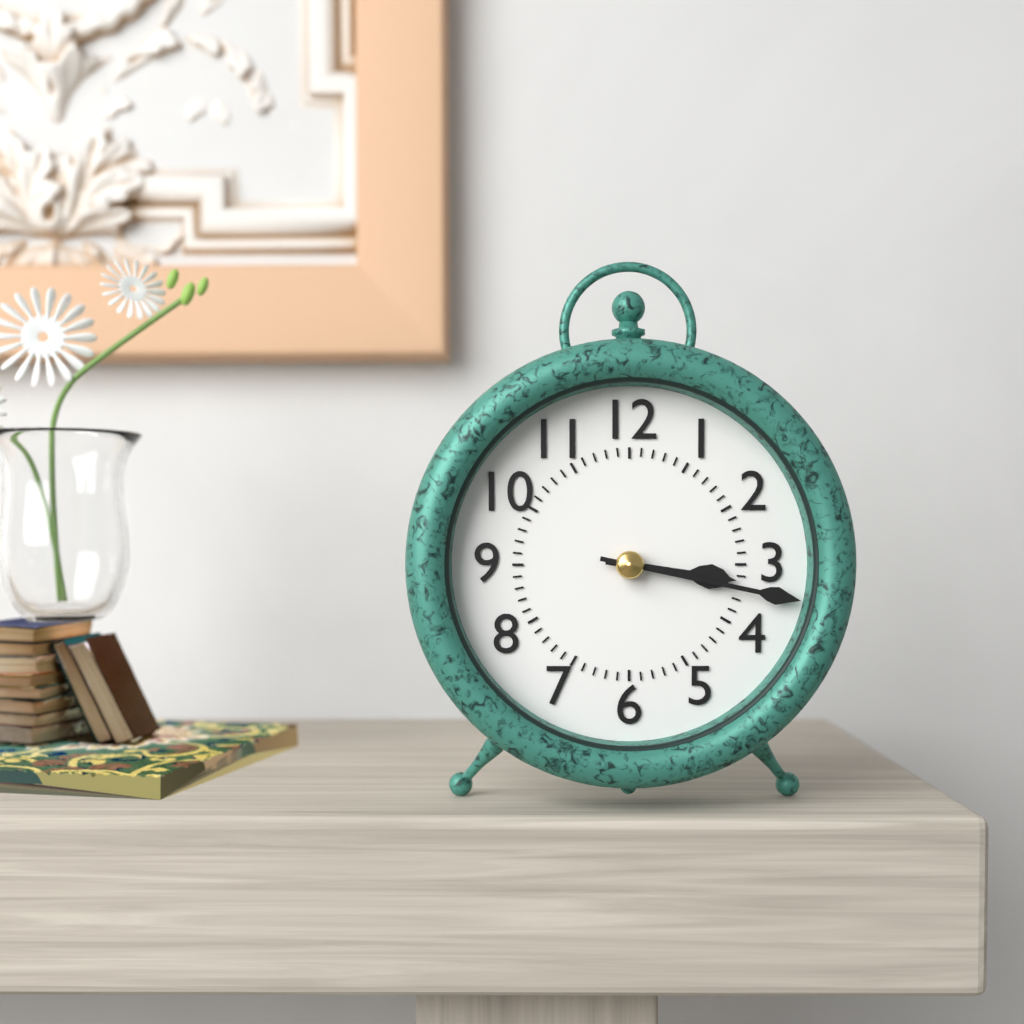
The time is **3:17**
